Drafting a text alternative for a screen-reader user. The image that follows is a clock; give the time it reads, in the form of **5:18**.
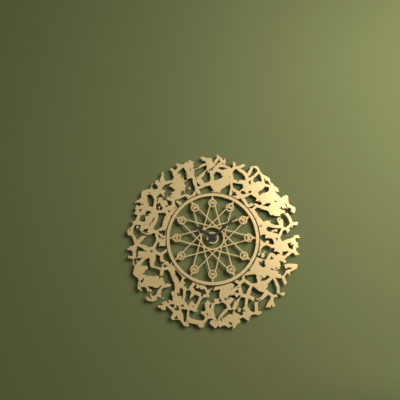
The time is **10:08**
